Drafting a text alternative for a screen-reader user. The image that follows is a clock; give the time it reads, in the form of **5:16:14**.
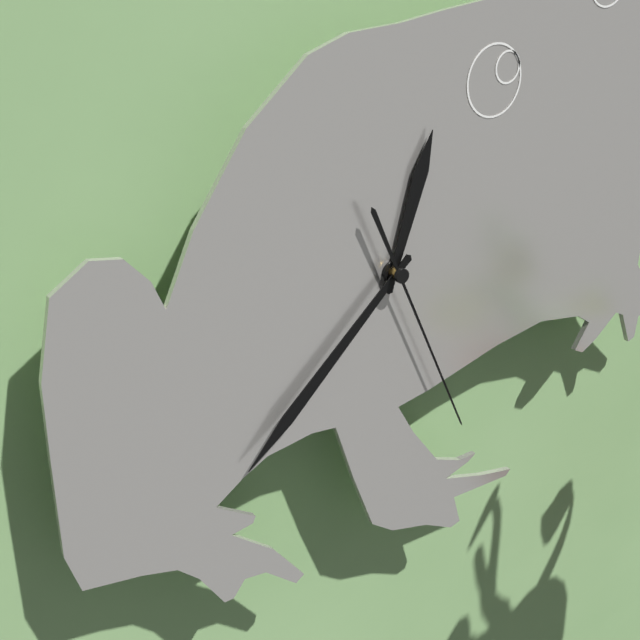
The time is **12:38:26**
